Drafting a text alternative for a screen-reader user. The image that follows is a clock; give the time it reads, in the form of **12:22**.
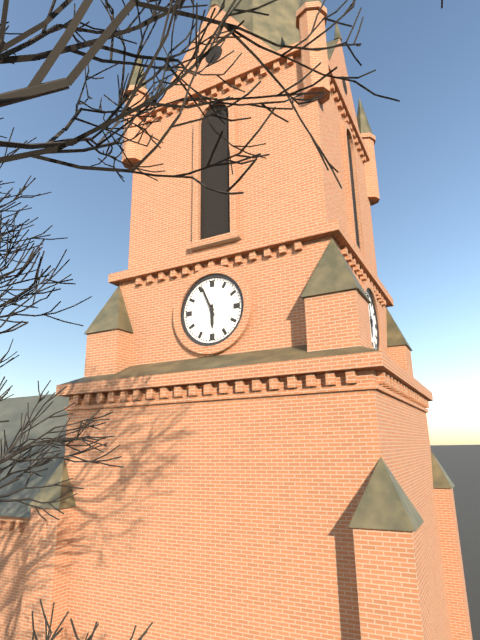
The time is **5:56**
